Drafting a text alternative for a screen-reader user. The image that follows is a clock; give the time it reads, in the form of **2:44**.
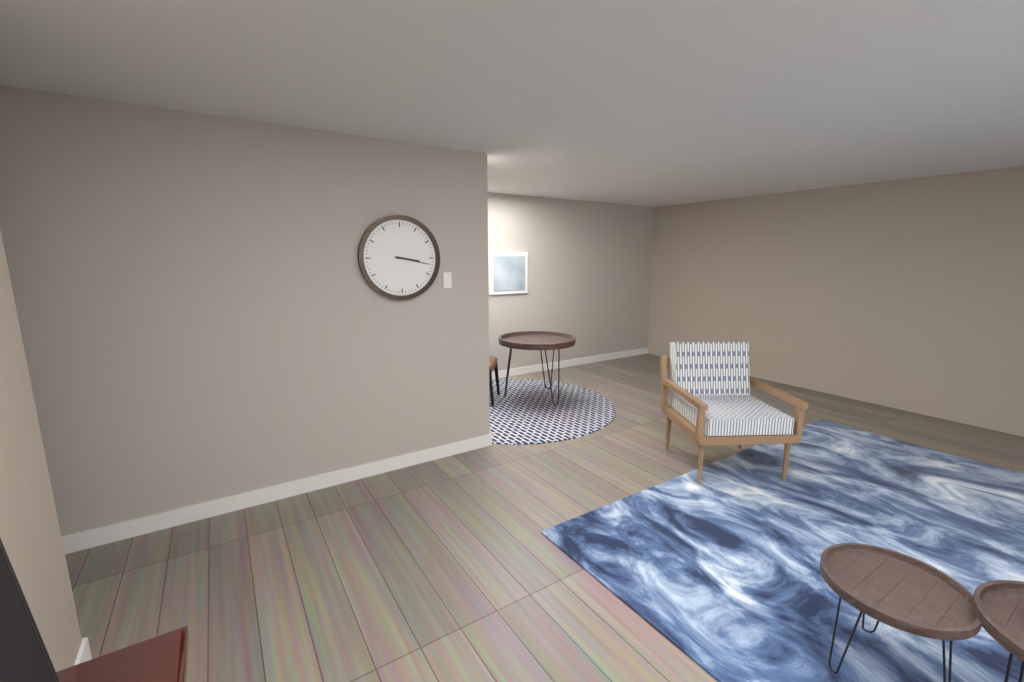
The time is **3:17**
